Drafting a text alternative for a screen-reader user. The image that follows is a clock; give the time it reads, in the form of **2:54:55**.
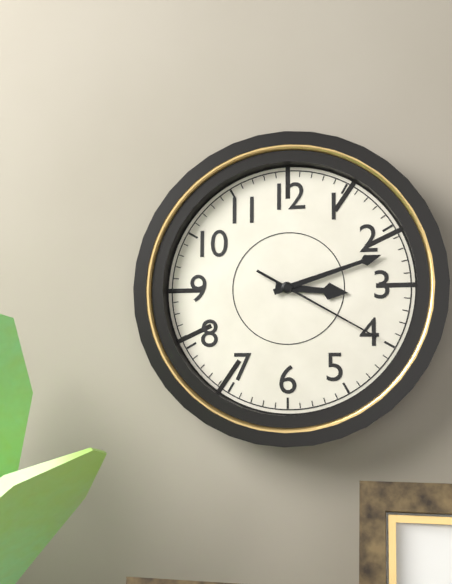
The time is **3:12:20**
